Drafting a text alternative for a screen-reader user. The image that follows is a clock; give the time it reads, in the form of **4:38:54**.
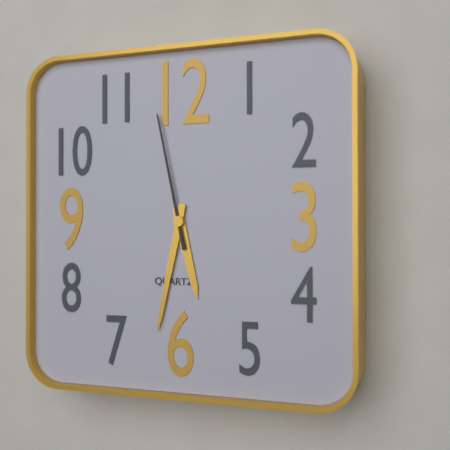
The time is **5:32:58**
